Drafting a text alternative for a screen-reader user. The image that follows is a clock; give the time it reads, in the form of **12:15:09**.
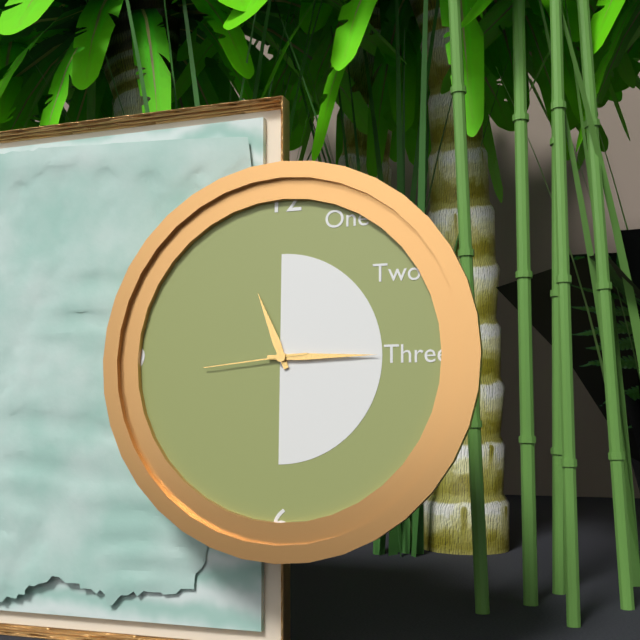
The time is **11:15:44**
